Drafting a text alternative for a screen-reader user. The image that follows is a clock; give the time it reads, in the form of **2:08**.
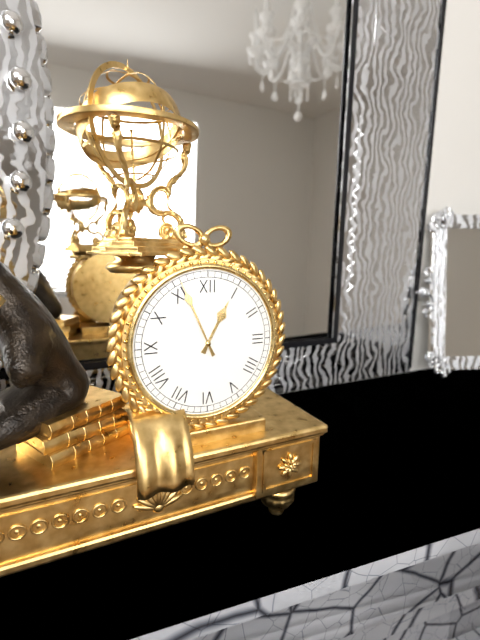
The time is **12:56**
